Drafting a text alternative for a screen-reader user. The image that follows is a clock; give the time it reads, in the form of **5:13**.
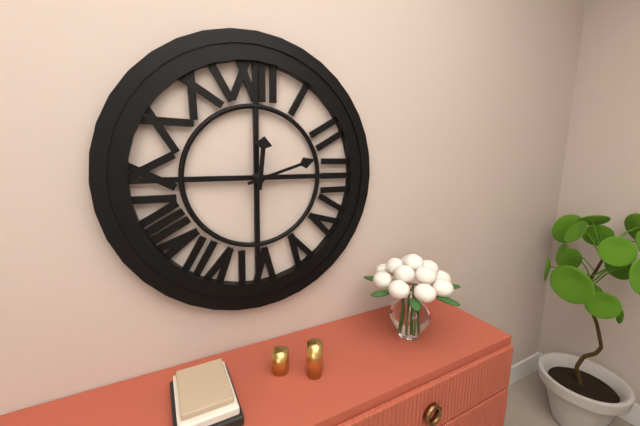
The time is **12:12**
